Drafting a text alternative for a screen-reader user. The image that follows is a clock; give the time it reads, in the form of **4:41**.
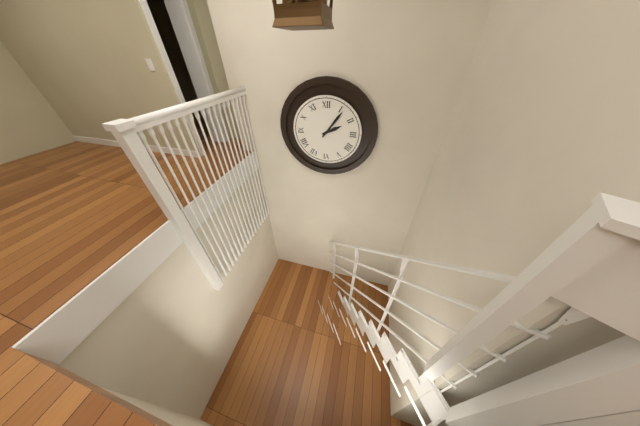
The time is **2:06**
